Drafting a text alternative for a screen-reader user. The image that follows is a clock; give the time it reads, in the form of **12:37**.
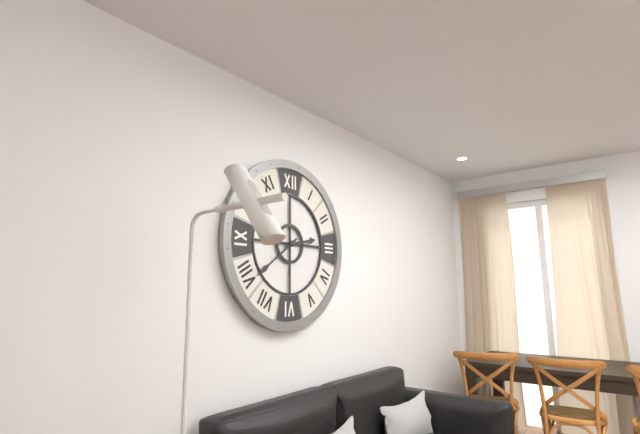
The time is **2:39**
